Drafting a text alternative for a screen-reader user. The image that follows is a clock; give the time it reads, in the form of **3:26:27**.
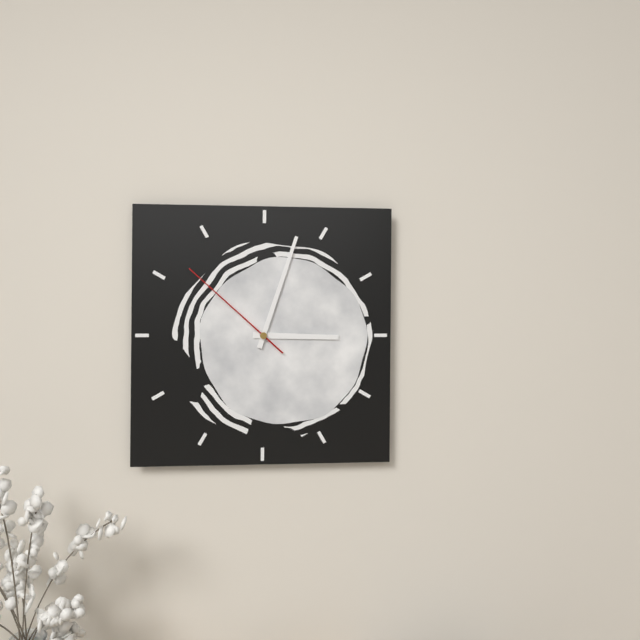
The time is **3:03:52**
